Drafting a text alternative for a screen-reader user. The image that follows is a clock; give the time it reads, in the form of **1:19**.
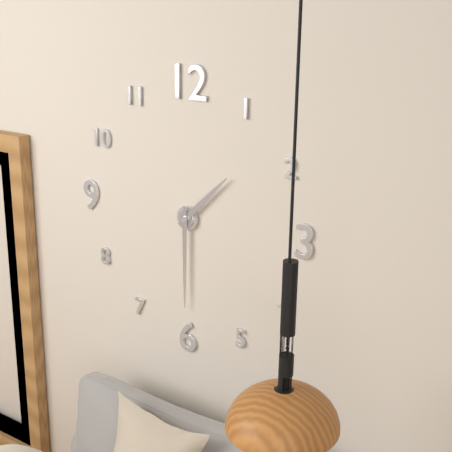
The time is **1:30**
